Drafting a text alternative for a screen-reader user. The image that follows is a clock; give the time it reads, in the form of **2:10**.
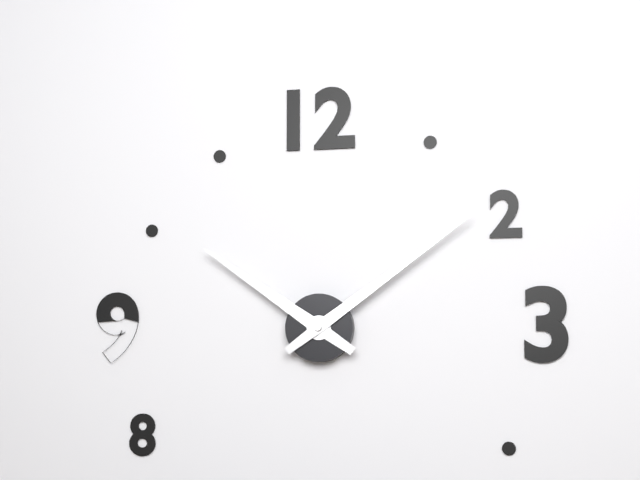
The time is **10:09**
